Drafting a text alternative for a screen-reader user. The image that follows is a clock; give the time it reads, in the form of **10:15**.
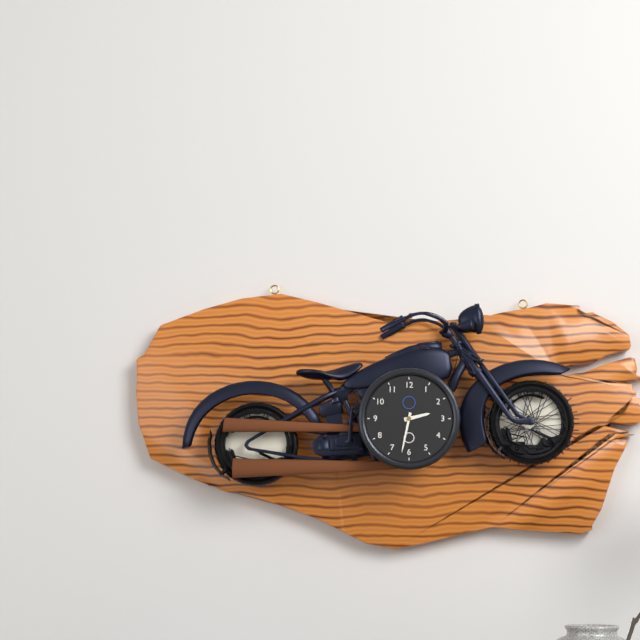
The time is **2:32**
